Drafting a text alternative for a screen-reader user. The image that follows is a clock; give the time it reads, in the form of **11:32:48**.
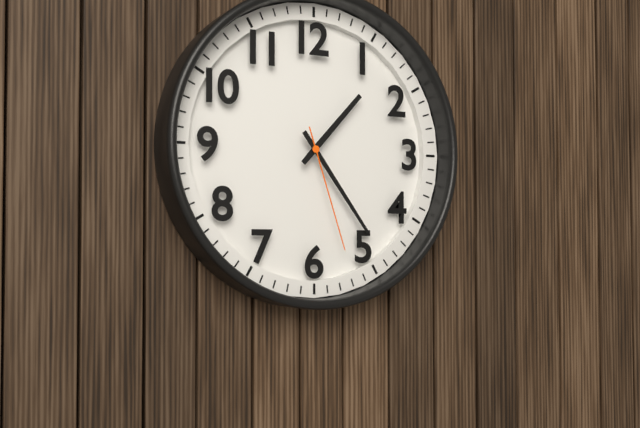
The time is **1:24:27**
